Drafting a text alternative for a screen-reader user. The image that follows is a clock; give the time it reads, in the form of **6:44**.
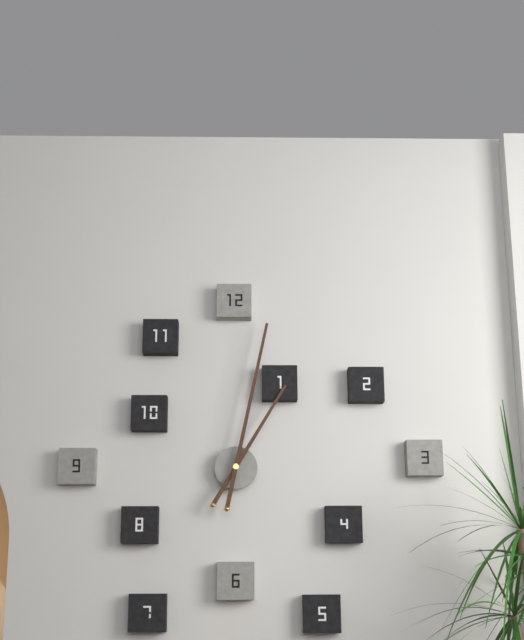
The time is **1:02**
